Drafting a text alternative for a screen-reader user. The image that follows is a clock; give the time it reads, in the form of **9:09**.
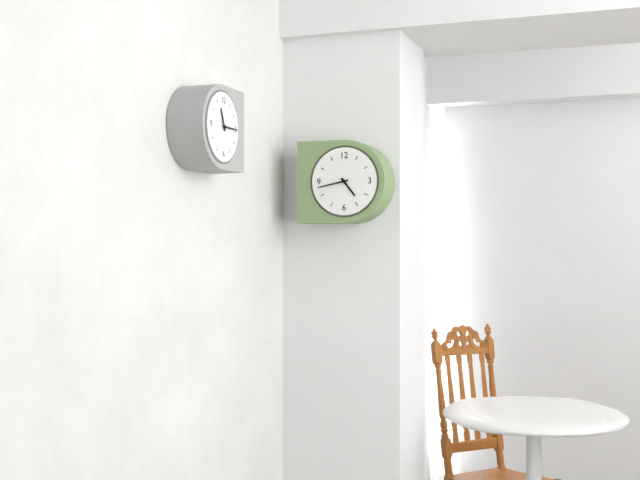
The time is **4:43**
